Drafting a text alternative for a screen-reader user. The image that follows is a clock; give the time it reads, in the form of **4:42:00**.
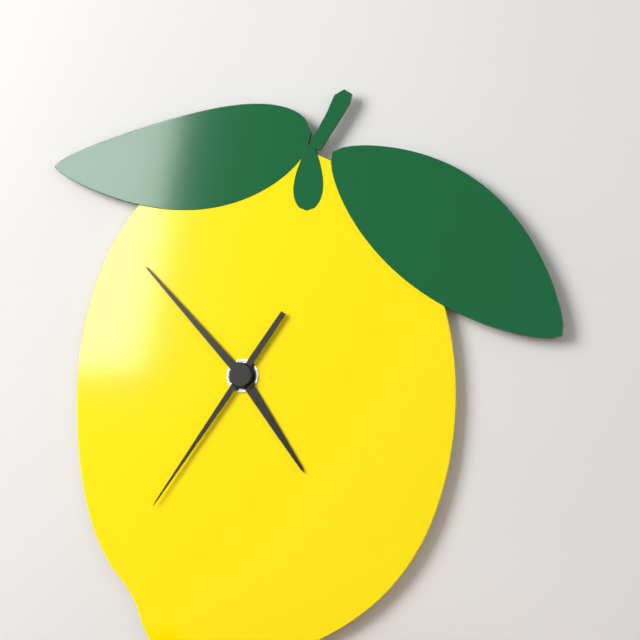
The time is **4:53:36**
